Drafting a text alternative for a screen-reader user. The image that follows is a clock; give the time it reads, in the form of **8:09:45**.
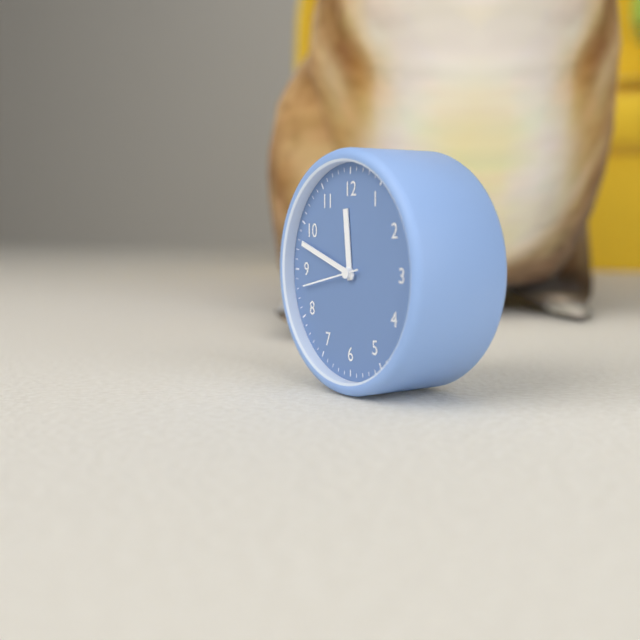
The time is **11:48:43**
